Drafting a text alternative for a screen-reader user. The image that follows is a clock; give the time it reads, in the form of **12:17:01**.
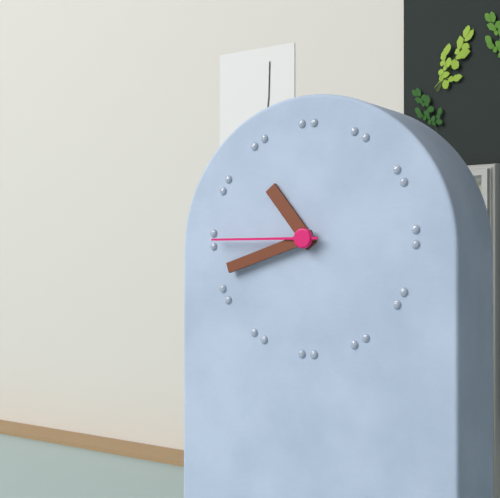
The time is **10:42:45**
